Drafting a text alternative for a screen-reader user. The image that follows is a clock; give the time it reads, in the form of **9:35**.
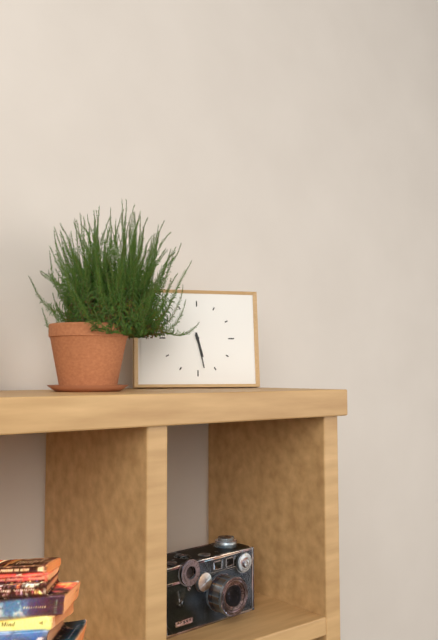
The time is **5:28**
